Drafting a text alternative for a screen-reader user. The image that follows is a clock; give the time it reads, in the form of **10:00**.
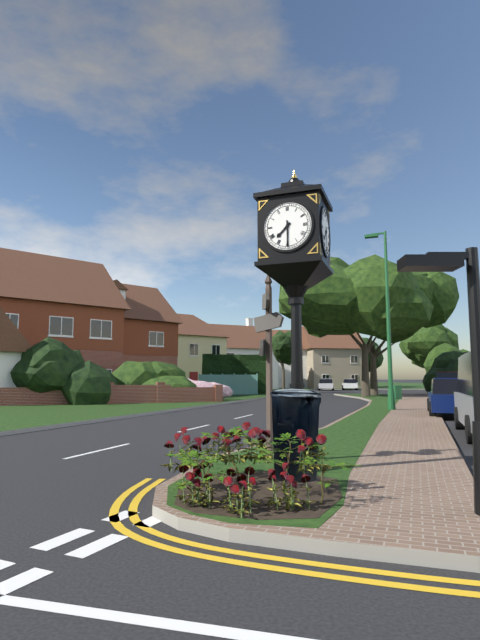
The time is **7:30**
